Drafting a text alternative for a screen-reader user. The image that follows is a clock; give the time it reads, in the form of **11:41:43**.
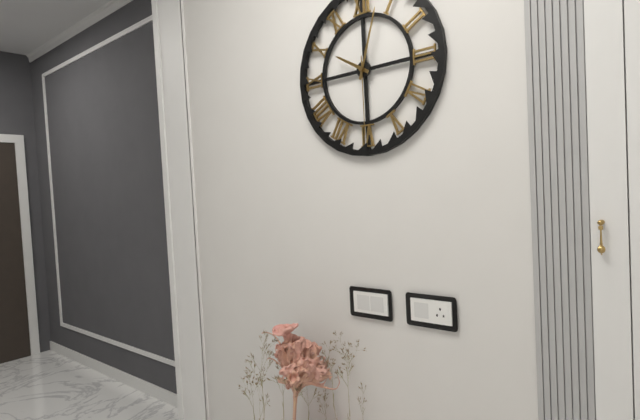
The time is **10:03:30**
